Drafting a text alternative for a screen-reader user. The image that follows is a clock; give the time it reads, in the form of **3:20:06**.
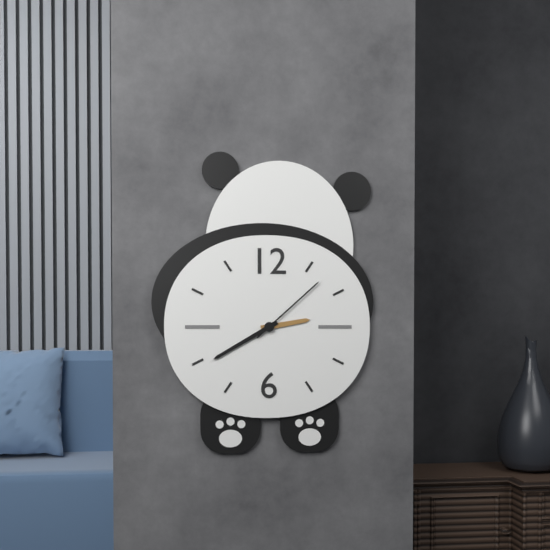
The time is **2:40:08**
